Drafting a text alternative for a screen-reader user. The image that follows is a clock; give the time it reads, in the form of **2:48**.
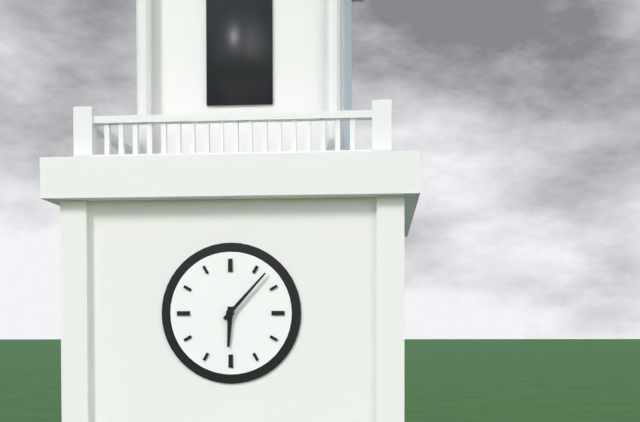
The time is **6:07**
